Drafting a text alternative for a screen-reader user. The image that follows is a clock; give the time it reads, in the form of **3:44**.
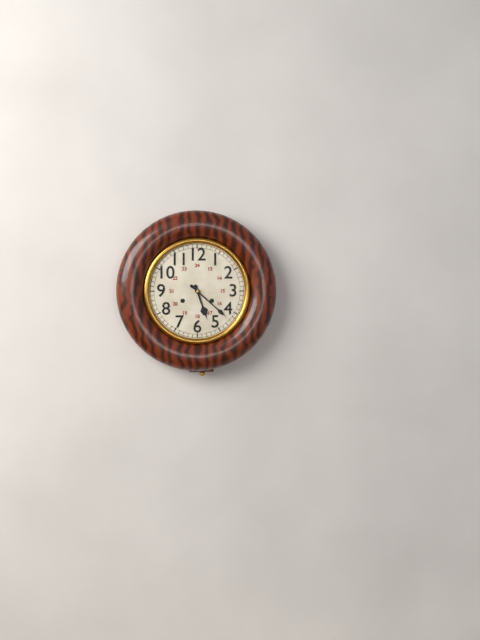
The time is **5:22**
